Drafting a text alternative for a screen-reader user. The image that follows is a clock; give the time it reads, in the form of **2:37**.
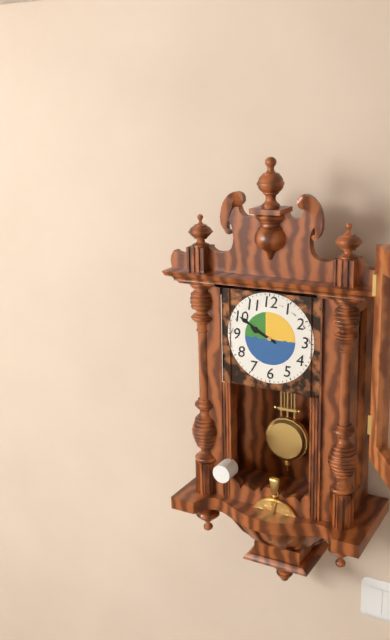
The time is **9:50**
